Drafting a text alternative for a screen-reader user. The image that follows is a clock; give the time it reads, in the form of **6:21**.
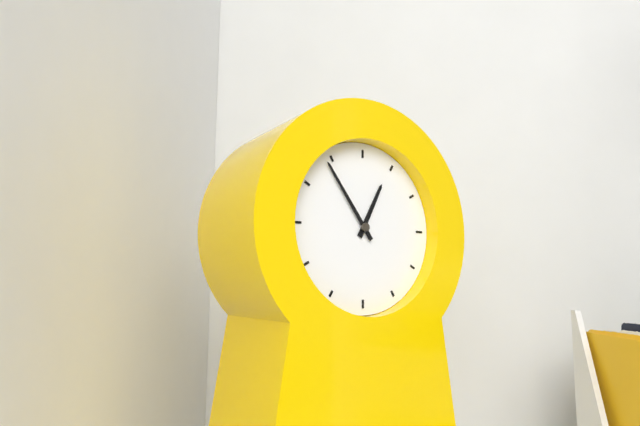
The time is **12:54**
